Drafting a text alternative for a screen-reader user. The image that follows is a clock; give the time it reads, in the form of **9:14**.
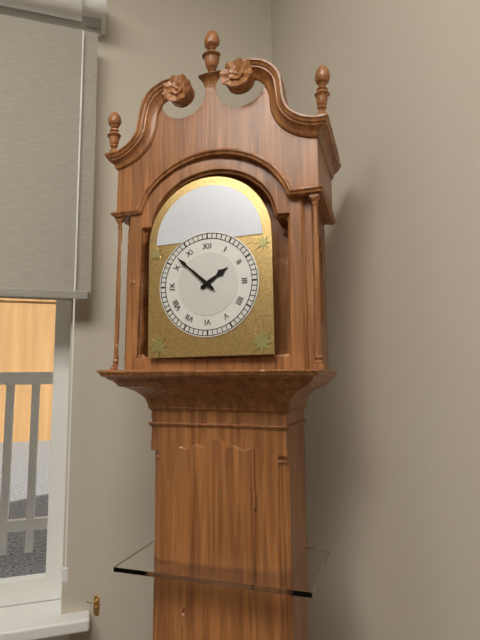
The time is **1:52**
